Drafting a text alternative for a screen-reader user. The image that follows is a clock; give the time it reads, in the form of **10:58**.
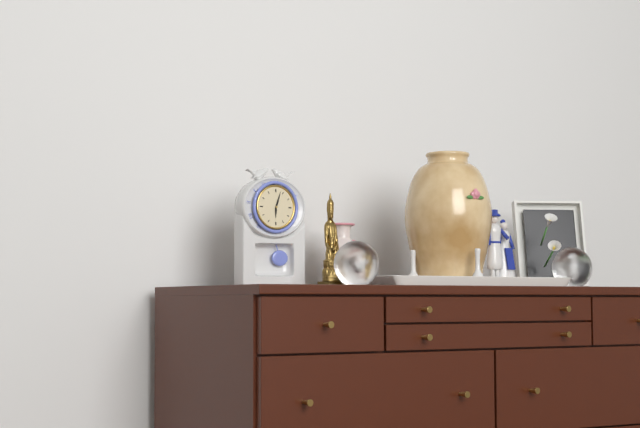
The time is **6:03**
